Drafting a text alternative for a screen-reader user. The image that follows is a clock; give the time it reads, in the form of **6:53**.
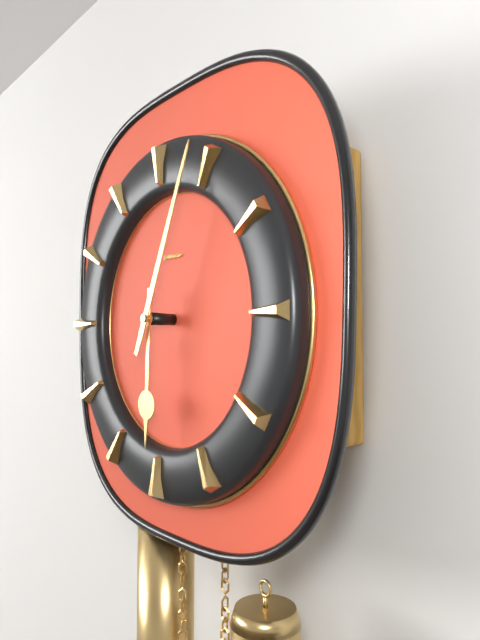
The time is **6:04**
